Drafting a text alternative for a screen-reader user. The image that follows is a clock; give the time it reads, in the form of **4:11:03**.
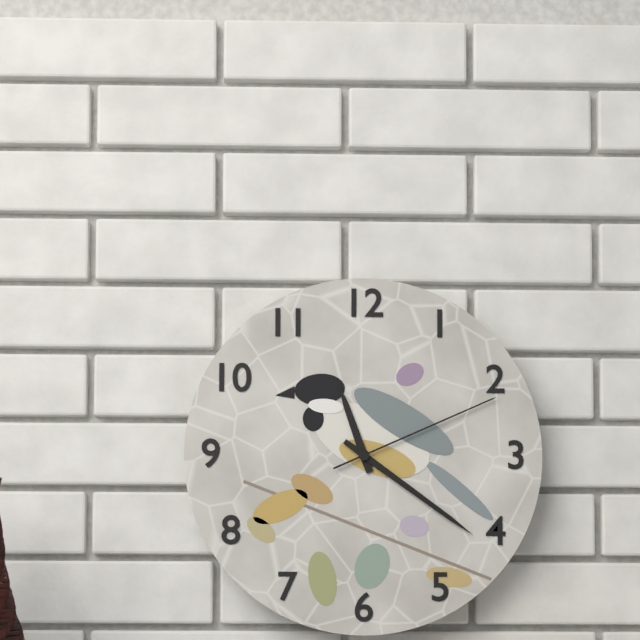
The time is **11:21:11**
